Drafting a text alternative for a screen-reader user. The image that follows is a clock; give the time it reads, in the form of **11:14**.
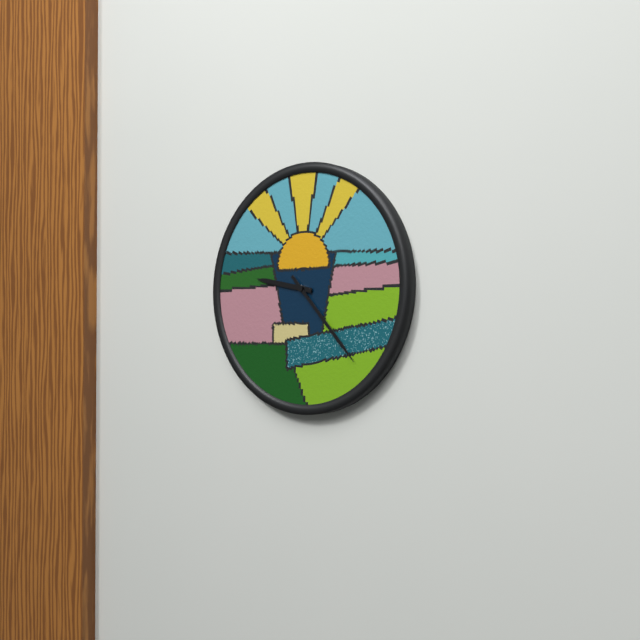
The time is **9:23**
